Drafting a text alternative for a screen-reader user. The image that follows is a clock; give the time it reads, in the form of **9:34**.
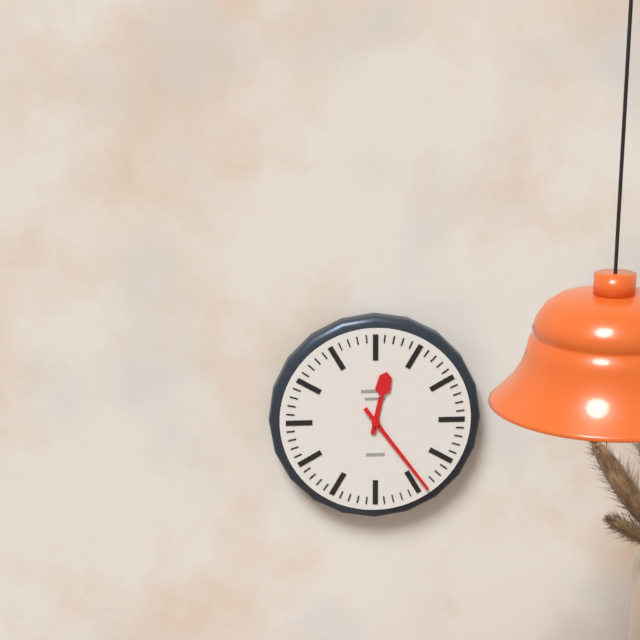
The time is **12:24**
